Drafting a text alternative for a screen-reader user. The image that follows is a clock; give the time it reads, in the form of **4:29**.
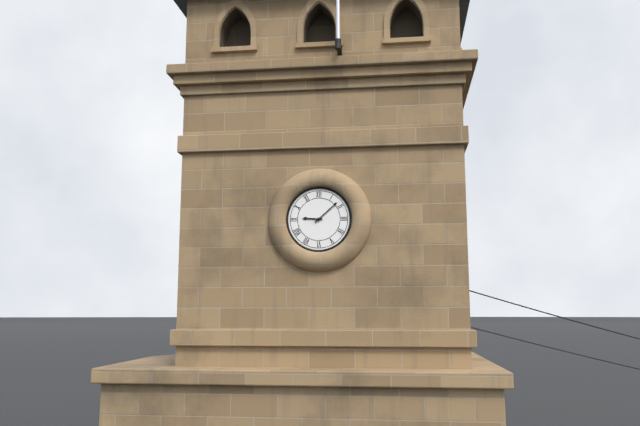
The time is **9:08**
